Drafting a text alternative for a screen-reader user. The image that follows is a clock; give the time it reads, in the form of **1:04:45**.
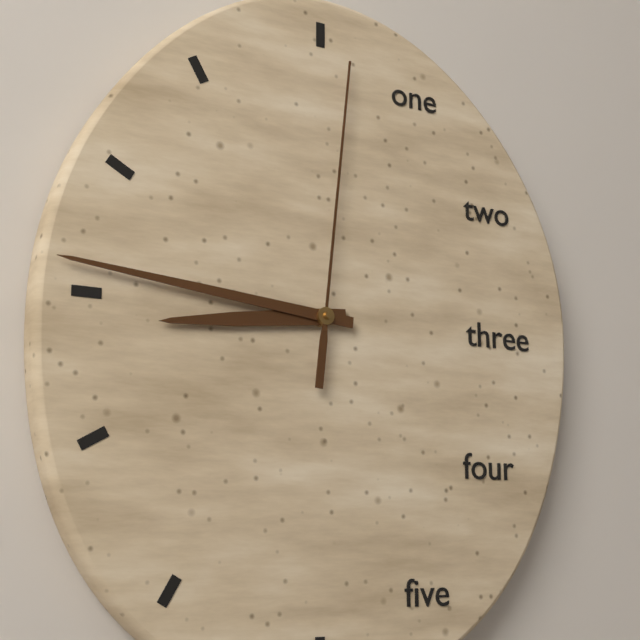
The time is **8:46:01**
